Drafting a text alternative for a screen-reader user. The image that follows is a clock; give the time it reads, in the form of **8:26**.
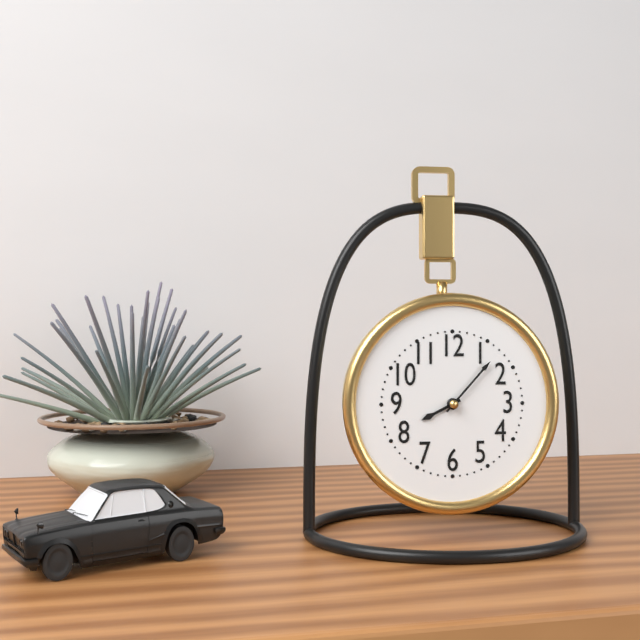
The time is **8:07**
